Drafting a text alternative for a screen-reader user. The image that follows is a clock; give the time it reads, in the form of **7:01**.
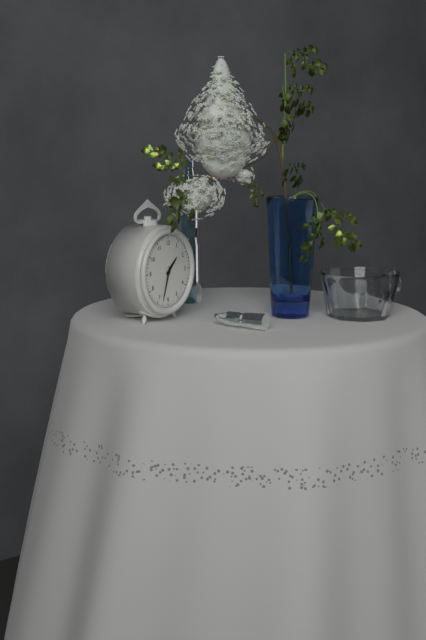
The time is **1:33**
